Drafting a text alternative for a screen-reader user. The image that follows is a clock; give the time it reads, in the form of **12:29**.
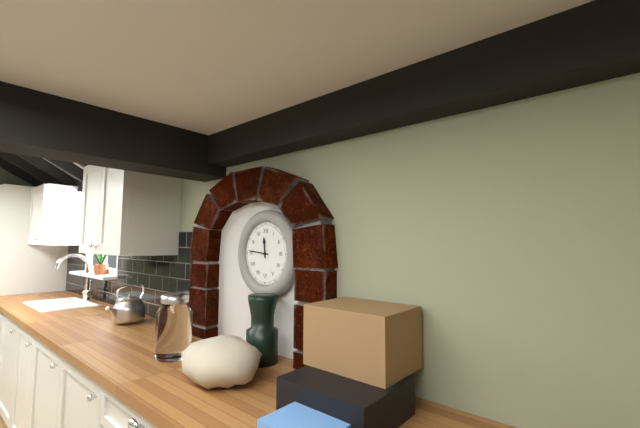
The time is **11:46**
